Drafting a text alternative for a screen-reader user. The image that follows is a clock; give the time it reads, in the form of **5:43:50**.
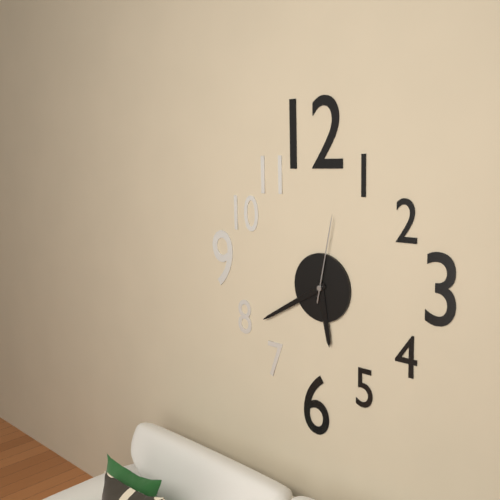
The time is **5:40:02**
